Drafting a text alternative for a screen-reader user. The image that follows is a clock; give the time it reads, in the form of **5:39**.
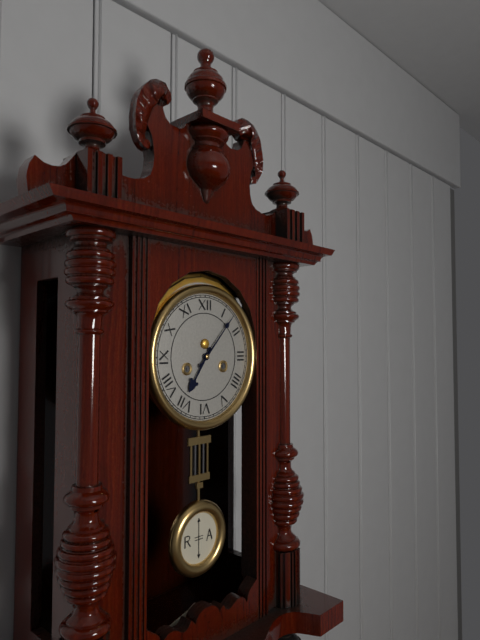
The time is **7:07**
